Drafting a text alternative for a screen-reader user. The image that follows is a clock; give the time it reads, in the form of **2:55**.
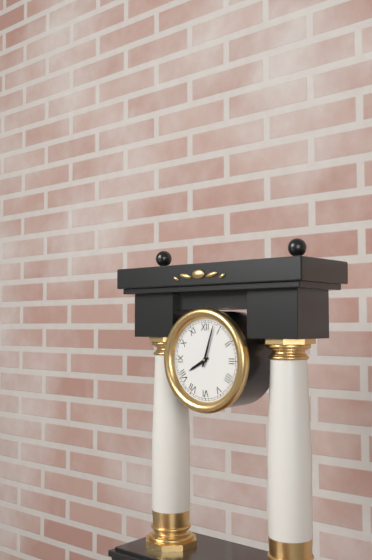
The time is **8:03**
